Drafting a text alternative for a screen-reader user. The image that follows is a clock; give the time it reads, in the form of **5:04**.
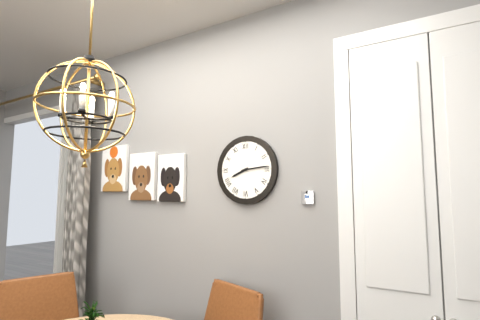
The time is **8:14**
